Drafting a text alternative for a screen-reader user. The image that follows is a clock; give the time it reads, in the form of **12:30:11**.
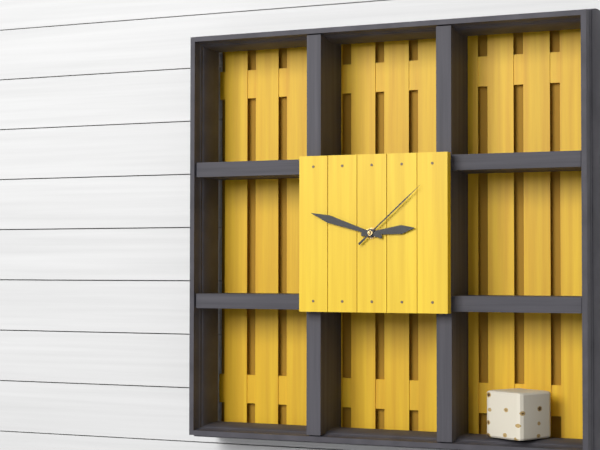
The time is **2:48:08**
